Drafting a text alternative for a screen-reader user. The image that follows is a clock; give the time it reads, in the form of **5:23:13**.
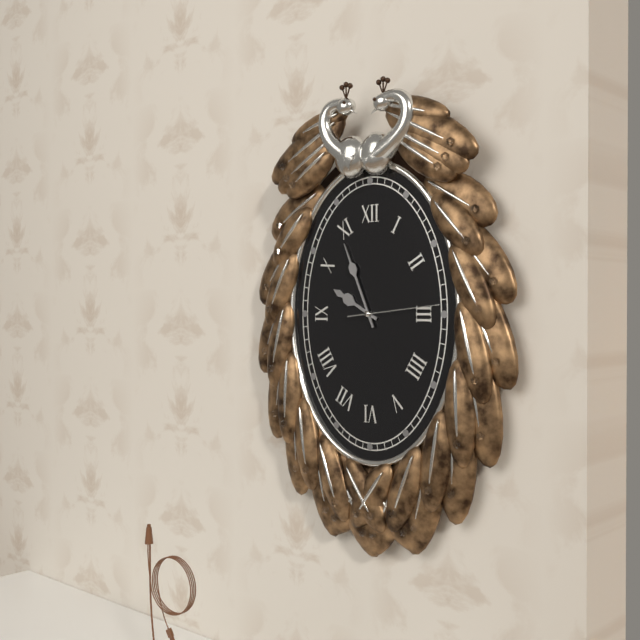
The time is **9:56:14**
